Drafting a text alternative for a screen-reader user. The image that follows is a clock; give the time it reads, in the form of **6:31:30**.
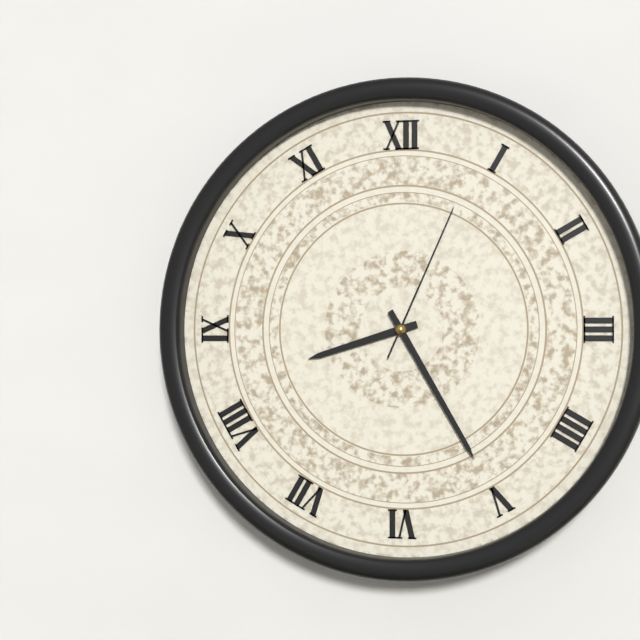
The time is **8:25:04**
